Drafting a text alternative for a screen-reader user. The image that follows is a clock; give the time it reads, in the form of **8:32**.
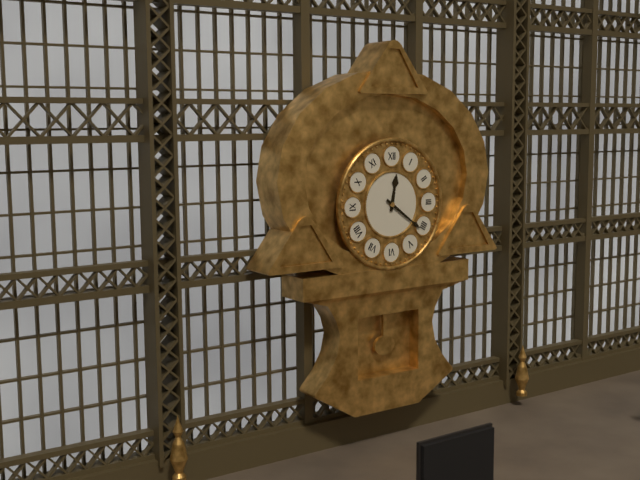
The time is **12:21**
